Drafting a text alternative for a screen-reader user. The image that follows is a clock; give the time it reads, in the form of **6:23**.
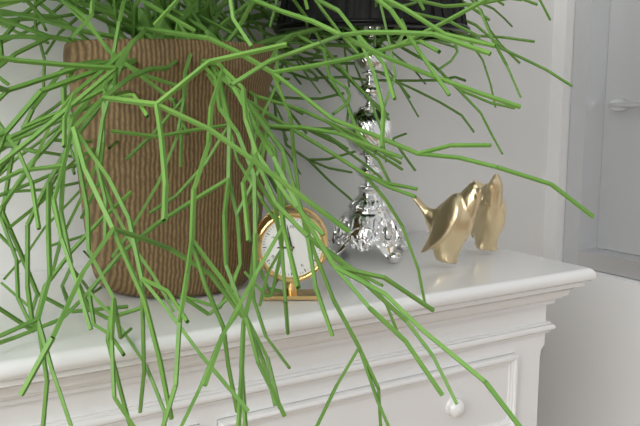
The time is **8:58**
